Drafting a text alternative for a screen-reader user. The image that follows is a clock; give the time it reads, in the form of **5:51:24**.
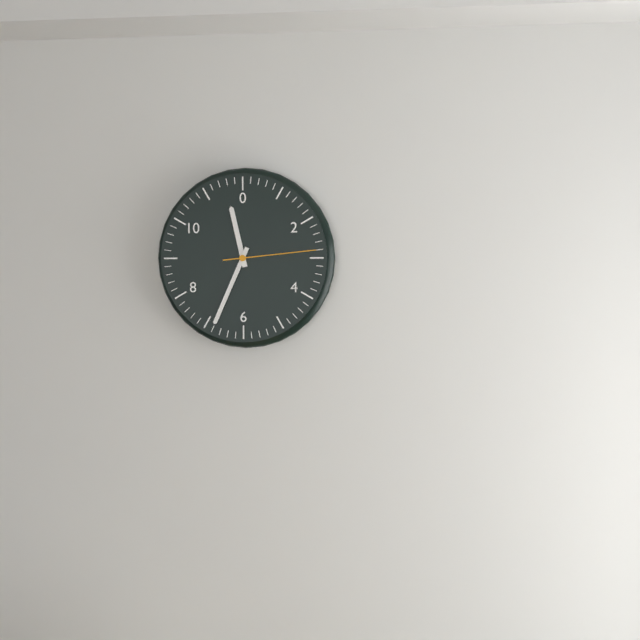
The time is **11:34:14**
